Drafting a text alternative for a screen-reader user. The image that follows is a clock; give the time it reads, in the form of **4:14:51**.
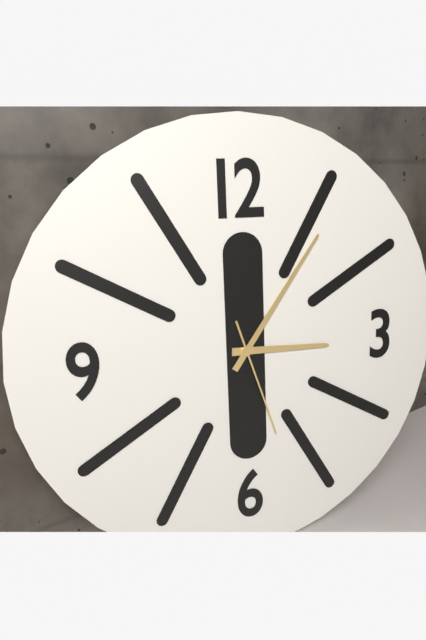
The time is **3:06:27**
